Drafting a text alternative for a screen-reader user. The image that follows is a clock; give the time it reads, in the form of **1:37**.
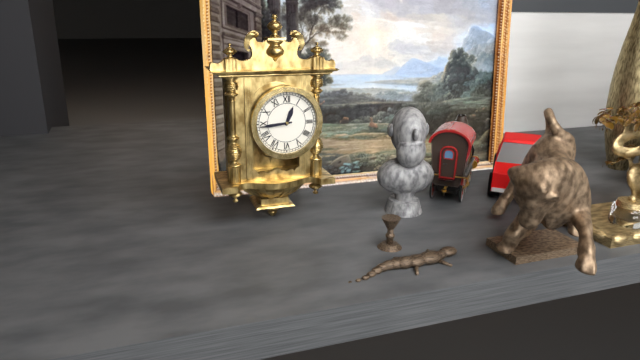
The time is **12:44**
